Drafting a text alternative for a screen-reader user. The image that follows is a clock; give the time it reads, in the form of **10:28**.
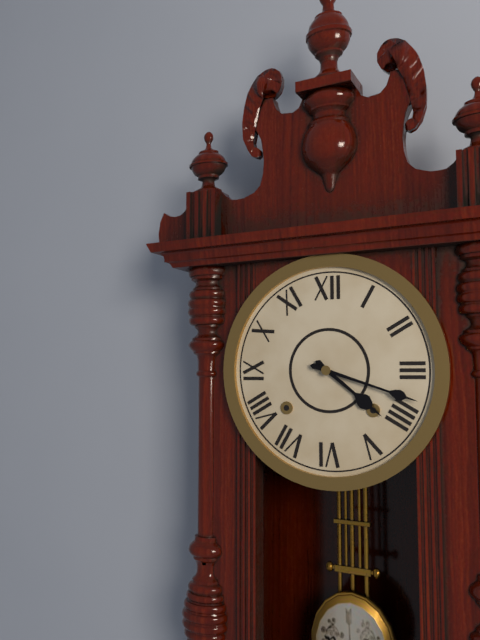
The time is **4:18**
